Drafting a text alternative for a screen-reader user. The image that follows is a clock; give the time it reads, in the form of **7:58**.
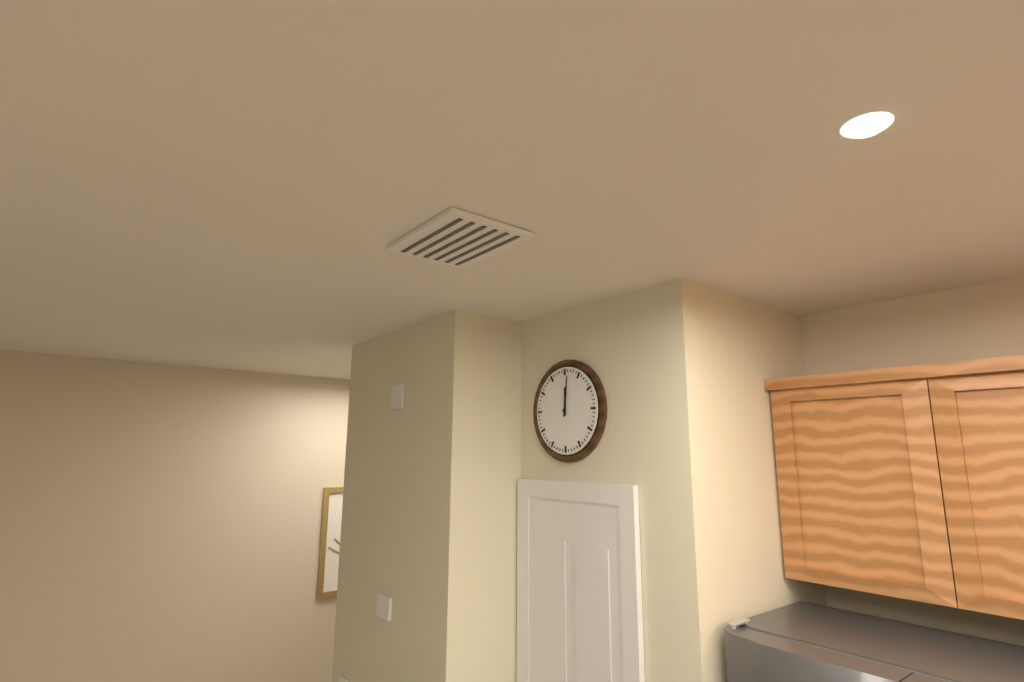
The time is **12:01**
